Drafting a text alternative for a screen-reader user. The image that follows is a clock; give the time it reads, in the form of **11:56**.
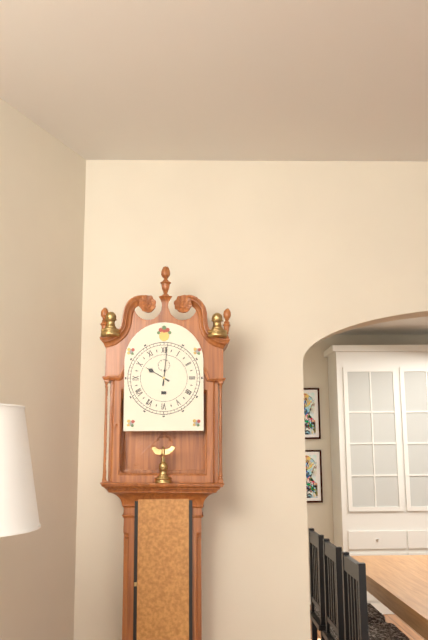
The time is **10:01**
